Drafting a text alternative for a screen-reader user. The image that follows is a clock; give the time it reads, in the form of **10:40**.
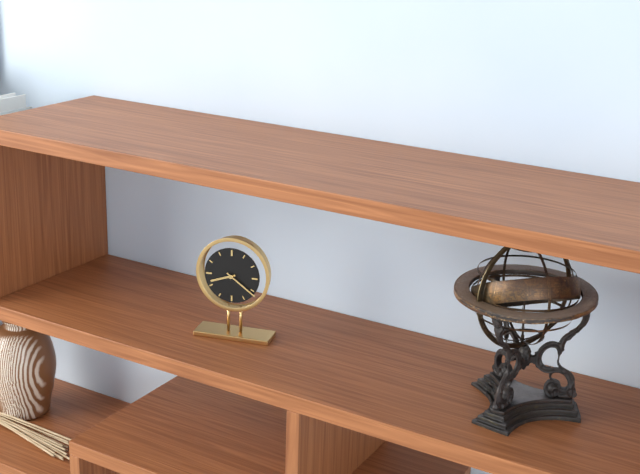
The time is **8:21**
